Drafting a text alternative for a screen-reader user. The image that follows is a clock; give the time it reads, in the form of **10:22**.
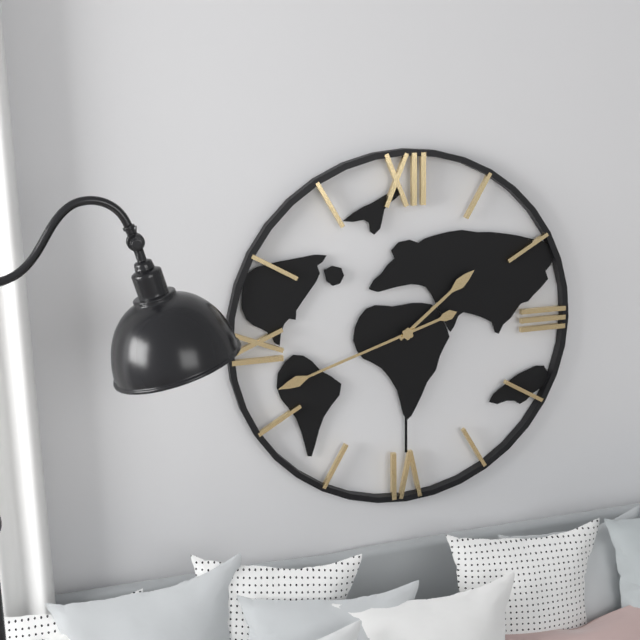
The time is **1:42**
